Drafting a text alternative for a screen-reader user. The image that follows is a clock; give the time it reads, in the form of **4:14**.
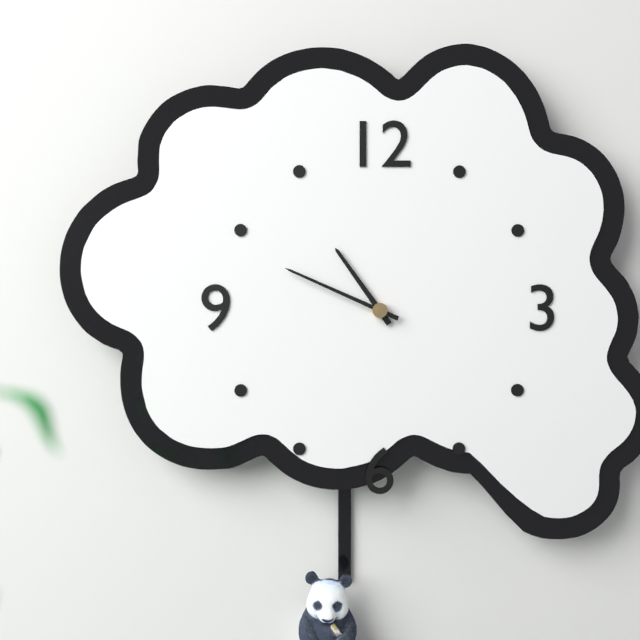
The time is **10:49**
